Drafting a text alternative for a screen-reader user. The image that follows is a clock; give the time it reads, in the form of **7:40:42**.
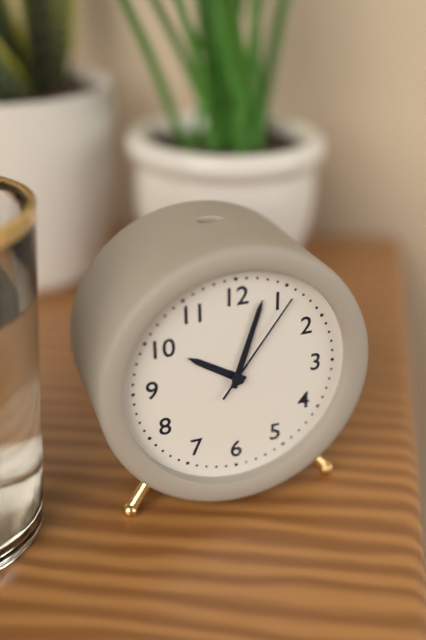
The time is **10:03:06**
